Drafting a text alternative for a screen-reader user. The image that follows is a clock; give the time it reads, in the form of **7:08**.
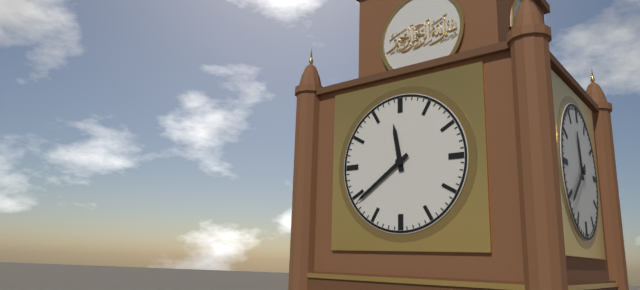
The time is **11:39**
